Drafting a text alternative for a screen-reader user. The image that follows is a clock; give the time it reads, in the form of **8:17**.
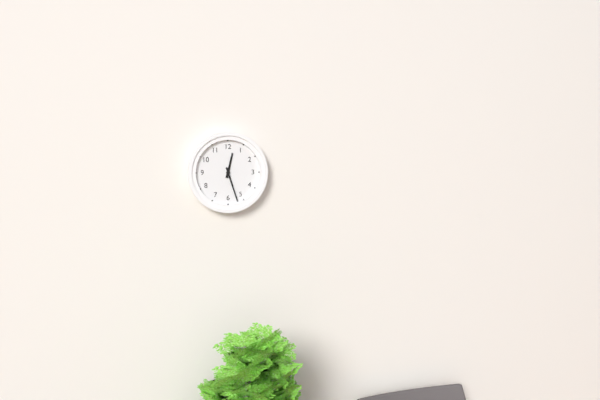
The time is **12:27**
